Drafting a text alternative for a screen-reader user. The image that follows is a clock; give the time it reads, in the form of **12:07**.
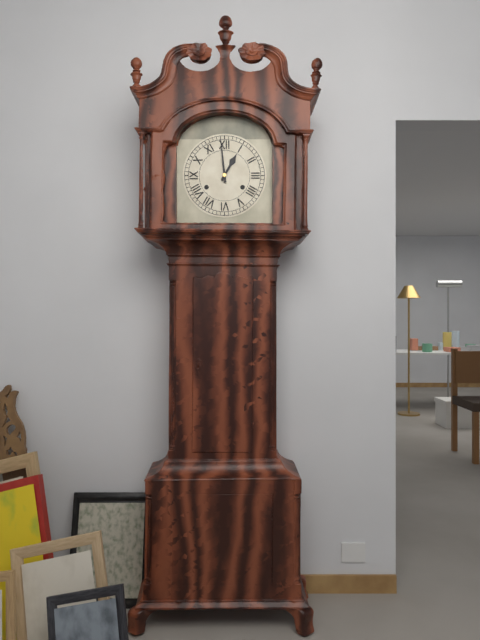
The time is **12:59**
